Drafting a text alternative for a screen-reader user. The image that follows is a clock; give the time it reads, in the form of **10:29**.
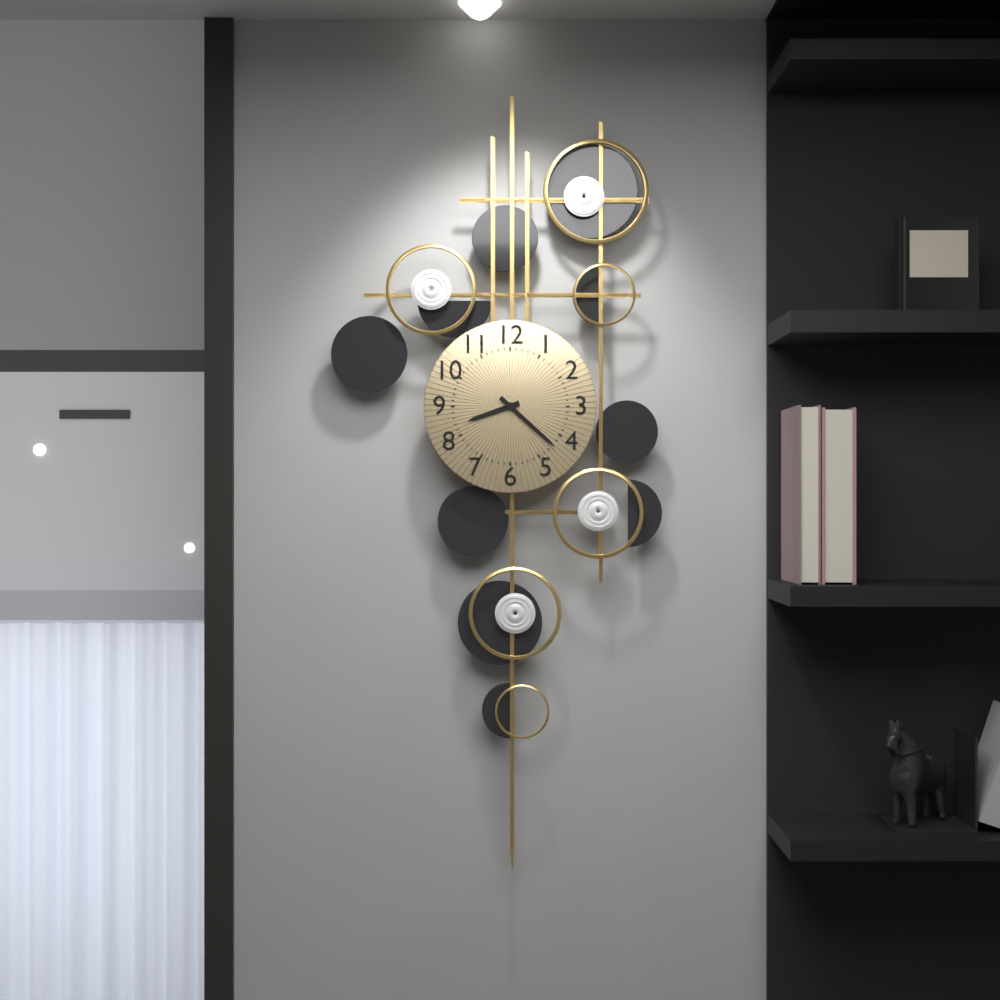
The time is **8:22**
